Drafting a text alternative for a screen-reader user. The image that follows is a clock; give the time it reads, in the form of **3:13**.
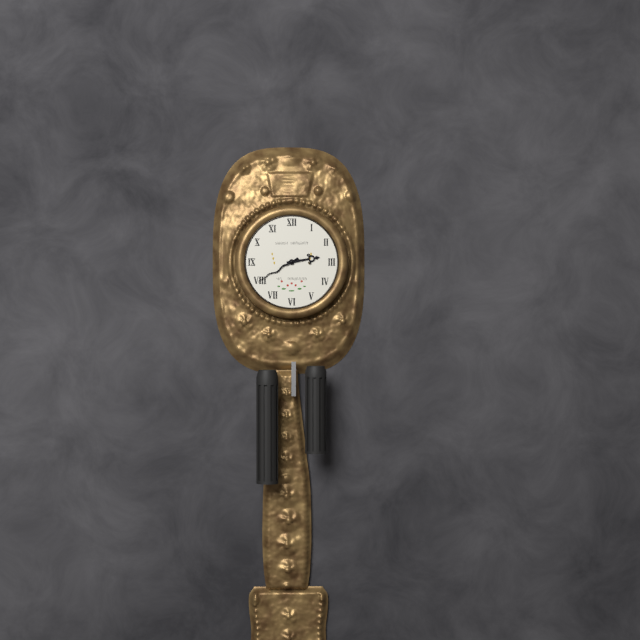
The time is **2:40**
